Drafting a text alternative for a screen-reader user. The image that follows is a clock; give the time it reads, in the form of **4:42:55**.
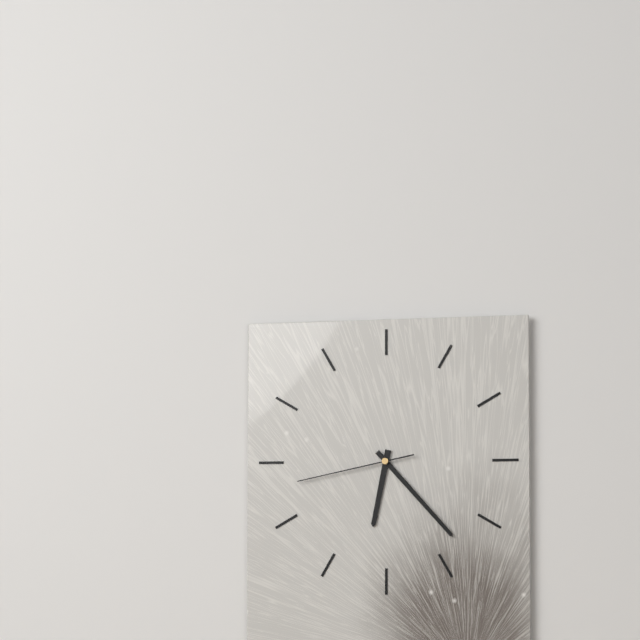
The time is **6:23:43**
